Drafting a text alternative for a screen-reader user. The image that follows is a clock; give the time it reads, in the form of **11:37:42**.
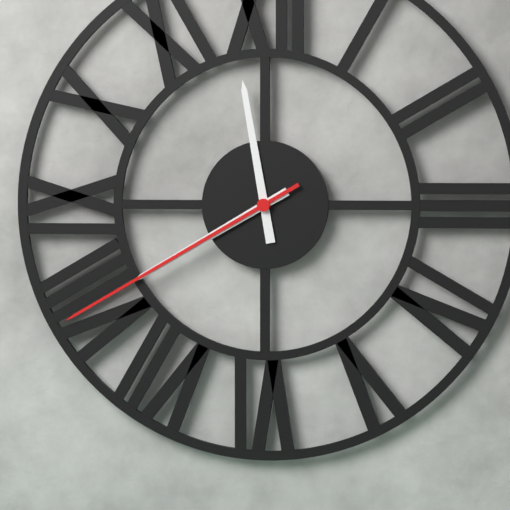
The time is **11:40:40**
